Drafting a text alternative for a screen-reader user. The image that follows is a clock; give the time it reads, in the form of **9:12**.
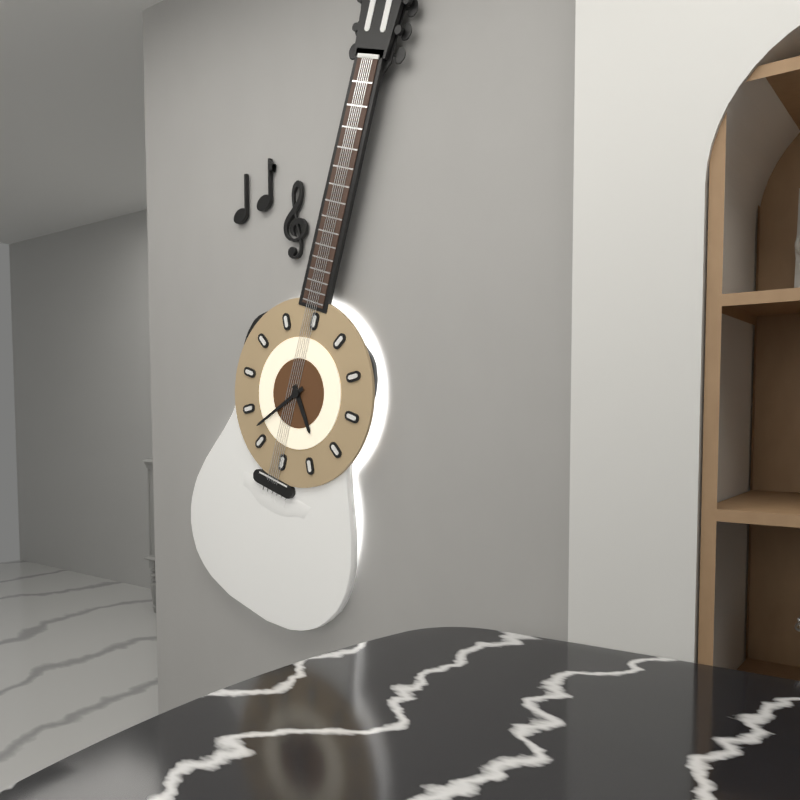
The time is **4:37**
